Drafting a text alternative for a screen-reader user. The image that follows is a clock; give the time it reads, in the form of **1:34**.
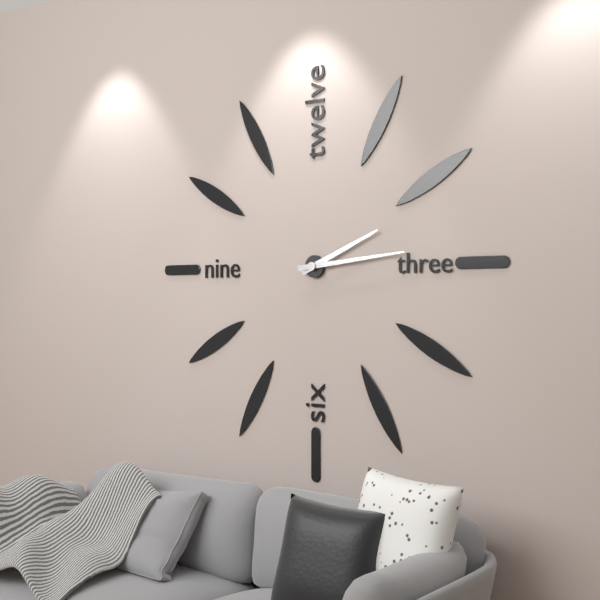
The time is **2:14**
